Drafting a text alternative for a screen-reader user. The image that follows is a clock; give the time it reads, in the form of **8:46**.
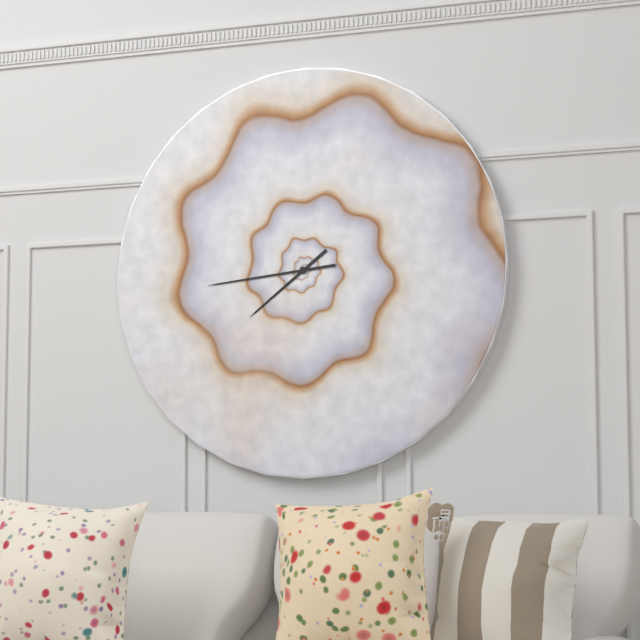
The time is **7:44**
